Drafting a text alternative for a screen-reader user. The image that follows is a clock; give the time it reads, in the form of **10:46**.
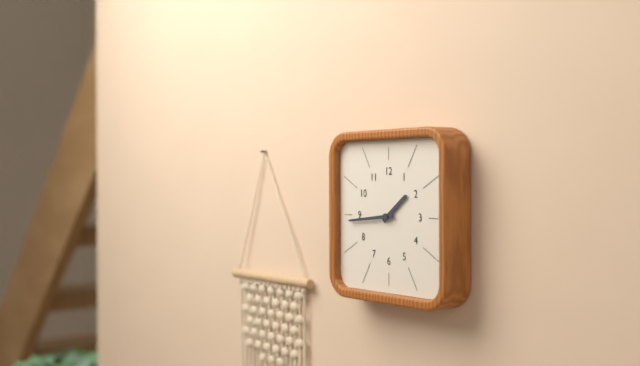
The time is **1:44**
